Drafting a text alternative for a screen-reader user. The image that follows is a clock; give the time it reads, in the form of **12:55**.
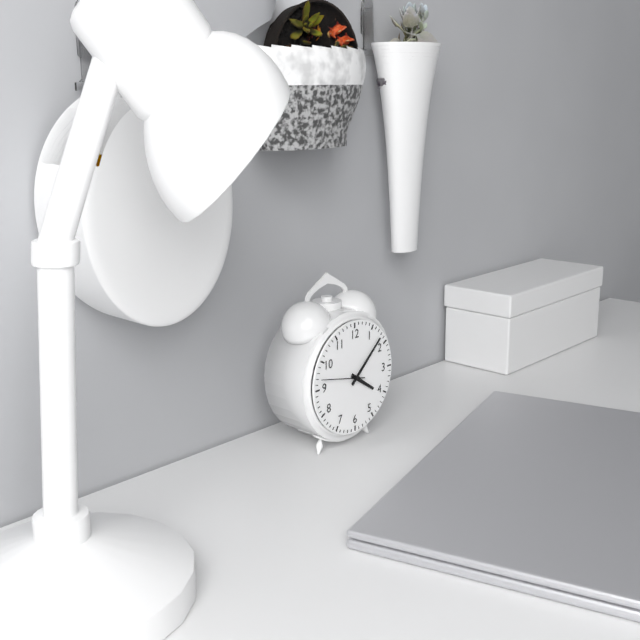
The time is **4:08**
